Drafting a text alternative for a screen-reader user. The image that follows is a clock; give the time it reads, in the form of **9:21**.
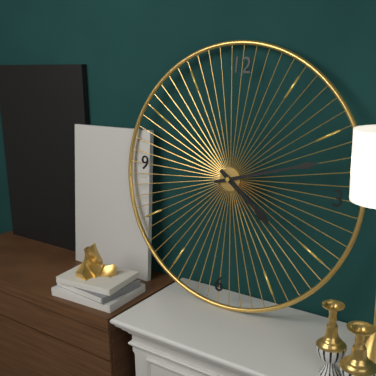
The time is **4:12**
